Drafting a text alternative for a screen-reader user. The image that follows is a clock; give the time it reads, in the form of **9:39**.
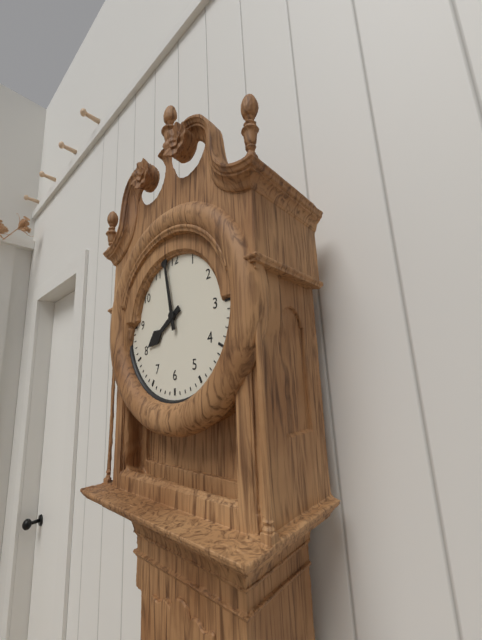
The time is **7:58**
